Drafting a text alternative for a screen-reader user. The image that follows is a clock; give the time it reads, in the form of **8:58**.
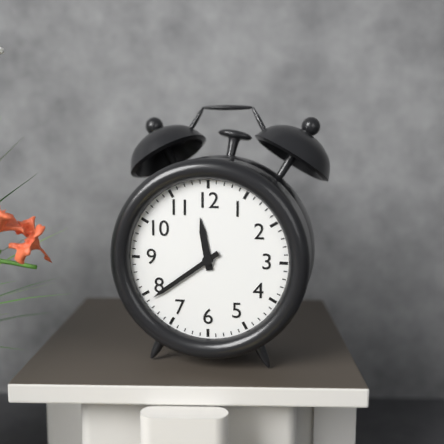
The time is **11:39**
